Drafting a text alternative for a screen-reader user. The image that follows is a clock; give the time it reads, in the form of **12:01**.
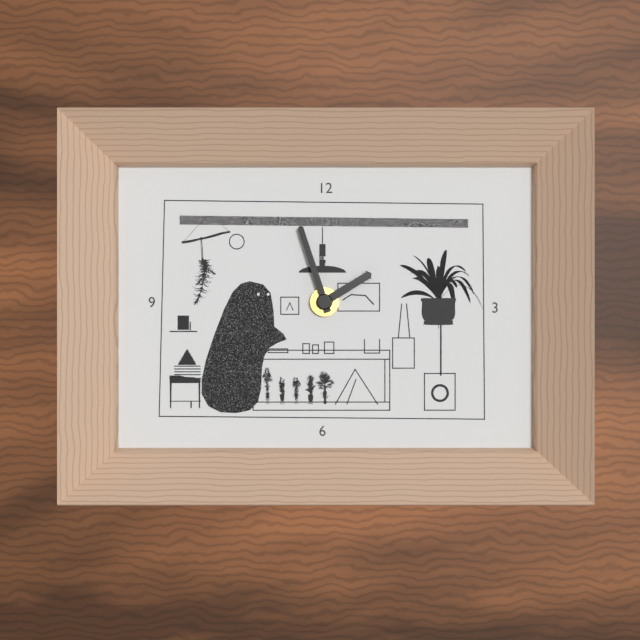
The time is **1:57**
